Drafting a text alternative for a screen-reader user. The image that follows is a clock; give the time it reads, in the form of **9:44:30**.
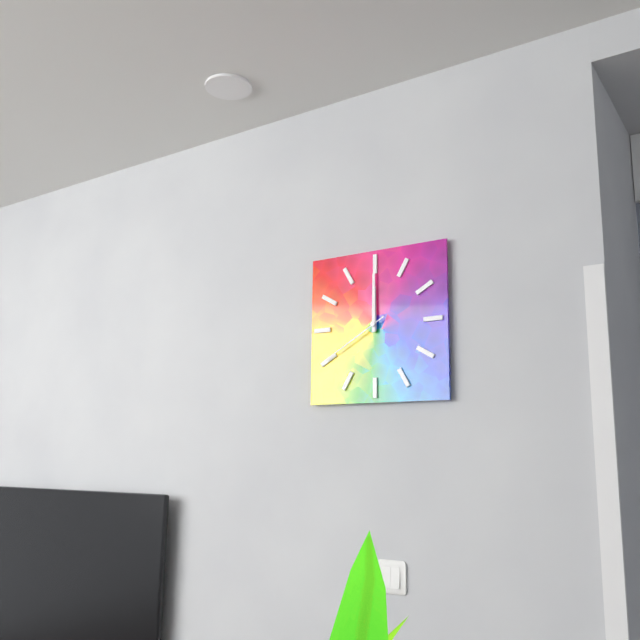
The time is **12:00:40**
